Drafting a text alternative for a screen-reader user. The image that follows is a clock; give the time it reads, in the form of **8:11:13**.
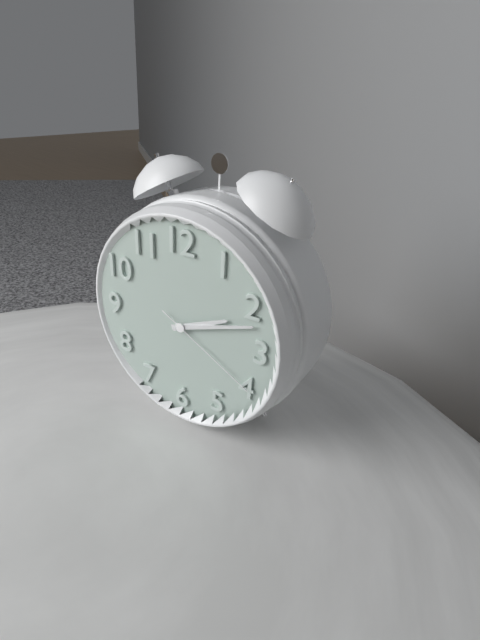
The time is **2:12:20**
